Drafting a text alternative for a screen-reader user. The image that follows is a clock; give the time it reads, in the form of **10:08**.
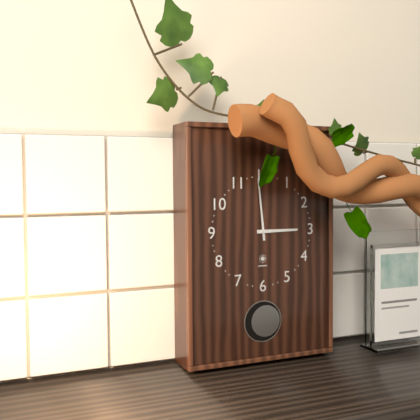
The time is **2:59**
